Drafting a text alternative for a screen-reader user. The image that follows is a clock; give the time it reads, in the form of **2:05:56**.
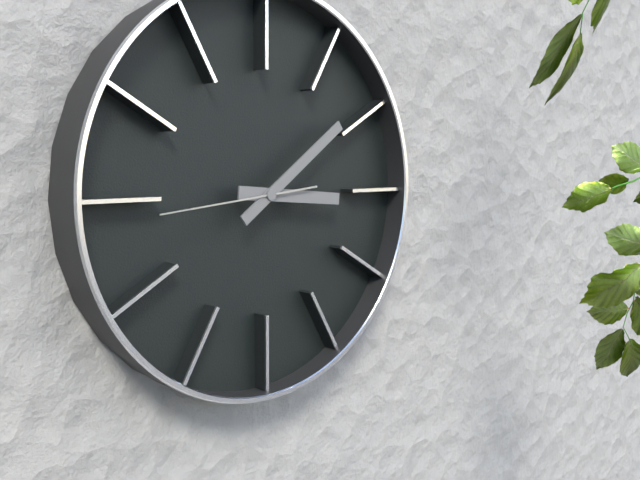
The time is **3:09:44**
